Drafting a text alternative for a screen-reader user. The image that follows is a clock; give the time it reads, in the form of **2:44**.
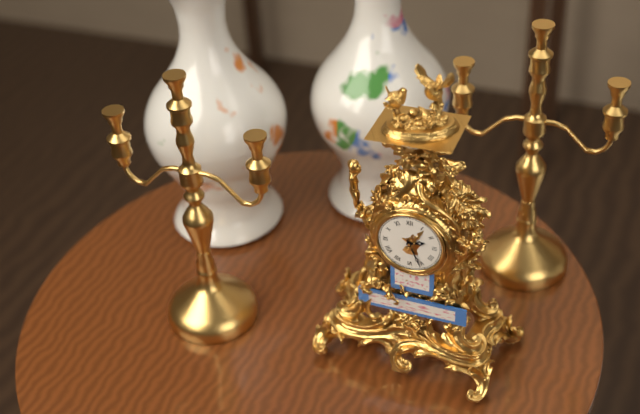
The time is **2:26**
